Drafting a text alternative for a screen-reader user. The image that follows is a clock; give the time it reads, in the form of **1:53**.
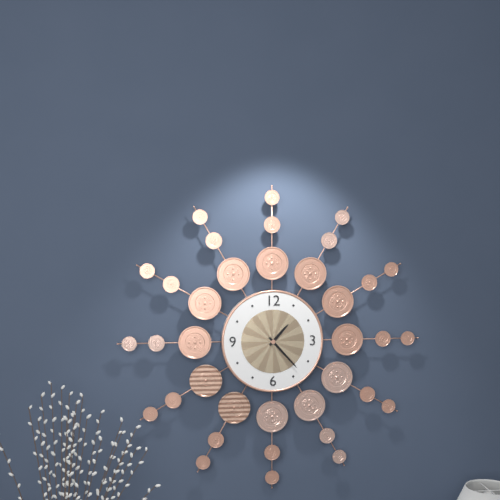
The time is **1:23**
